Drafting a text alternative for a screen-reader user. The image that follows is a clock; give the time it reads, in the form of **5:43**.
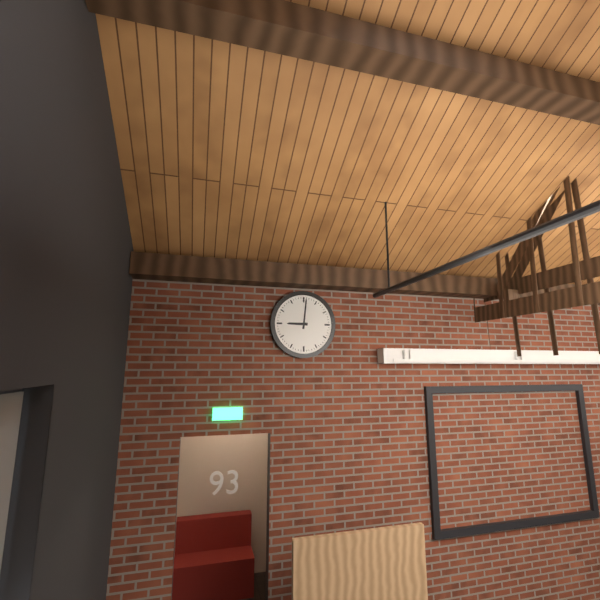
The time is **9:01**
